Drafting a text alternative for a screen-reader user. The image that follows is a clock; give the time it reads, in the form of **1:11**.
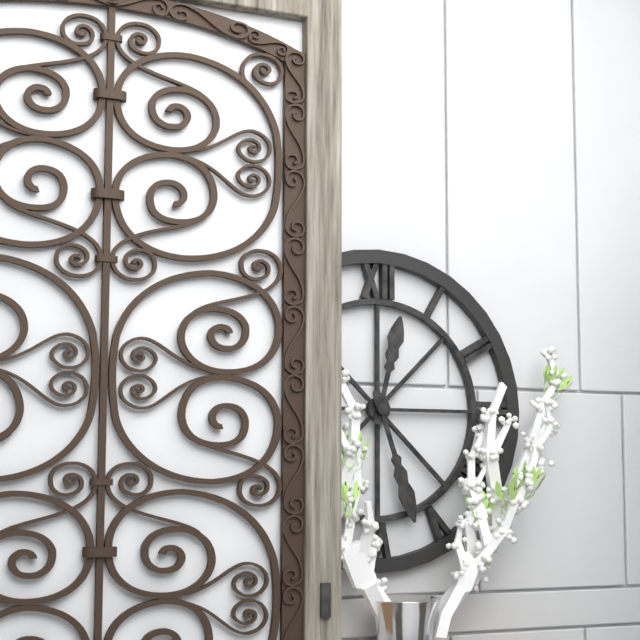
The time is **12:27**
